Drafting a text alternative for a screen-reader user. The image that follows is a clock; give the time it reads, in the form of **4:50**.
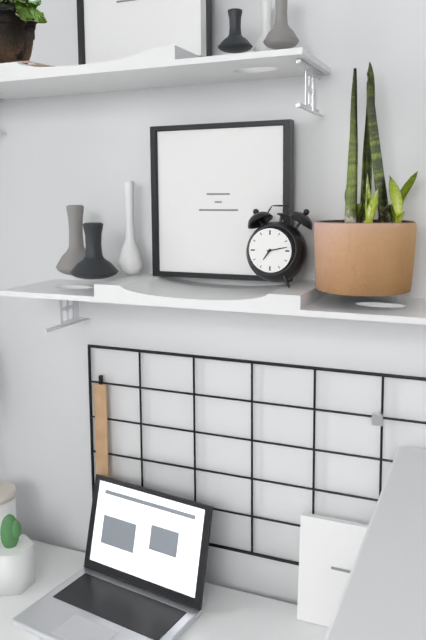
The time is **7:13**
